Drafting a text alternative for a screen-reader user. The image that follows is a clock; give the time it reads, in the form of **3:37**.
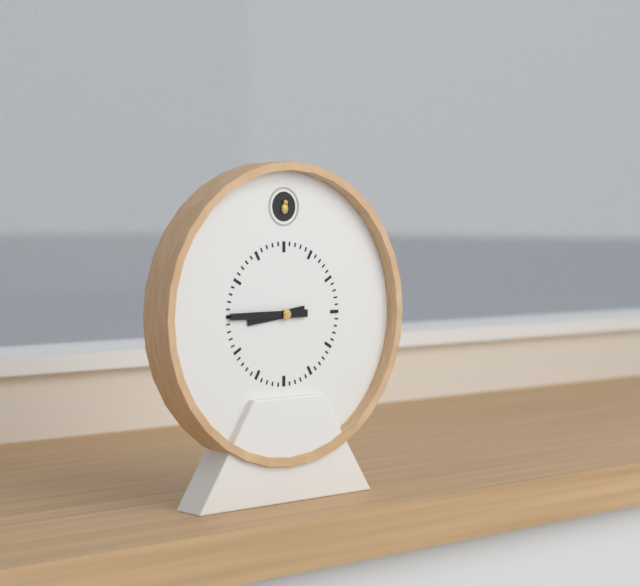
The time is **8:45**
